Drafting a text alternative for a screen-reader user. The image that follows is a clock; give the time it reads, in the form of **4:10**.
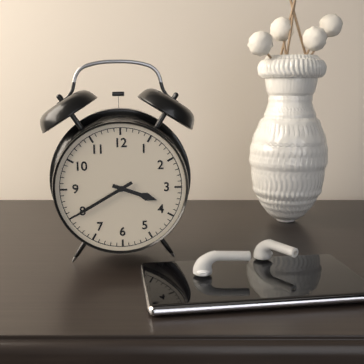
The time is **3:40**
